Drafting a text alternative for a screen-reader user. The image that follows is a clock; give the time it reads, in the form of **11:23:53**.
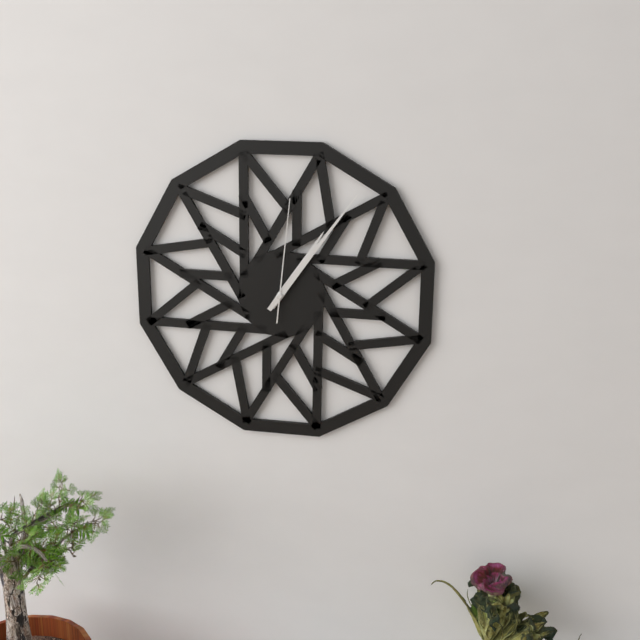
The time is **1:06:01**
